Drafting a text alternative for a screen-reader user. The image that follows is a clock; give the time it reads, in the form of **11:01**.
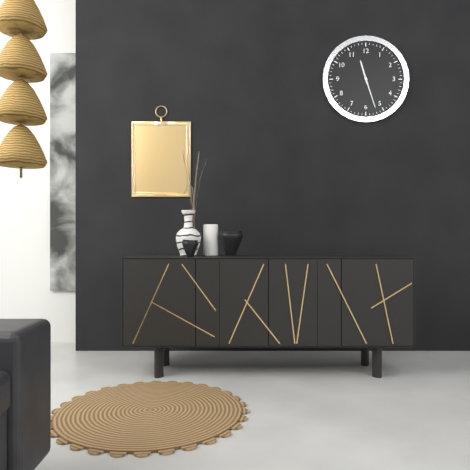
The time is **11:27**
